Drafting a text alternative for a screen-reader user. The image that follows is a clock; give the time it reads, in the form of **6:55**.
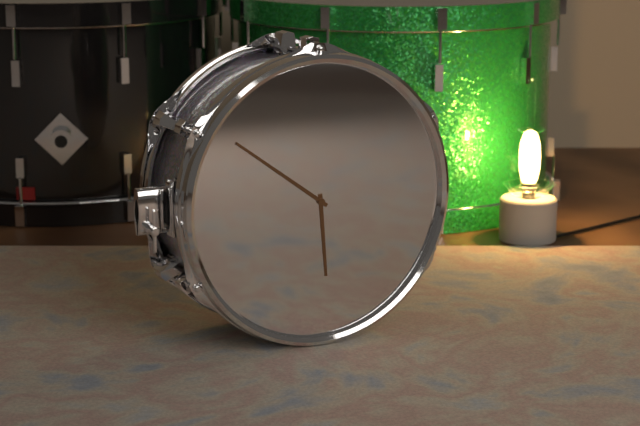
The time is **5:51**
